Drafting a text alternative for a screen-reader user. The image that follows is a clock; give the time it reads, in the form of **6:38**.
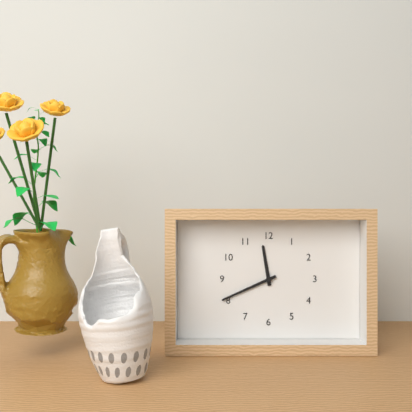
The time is **11:41**
